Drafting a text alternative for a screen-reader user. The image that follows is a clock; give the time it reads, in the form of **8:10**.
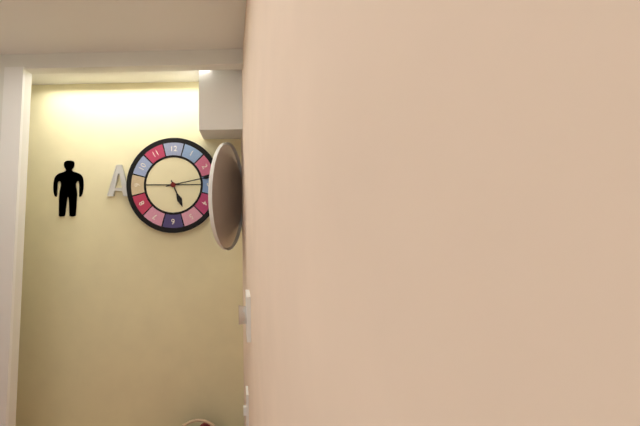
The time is **5:13**
